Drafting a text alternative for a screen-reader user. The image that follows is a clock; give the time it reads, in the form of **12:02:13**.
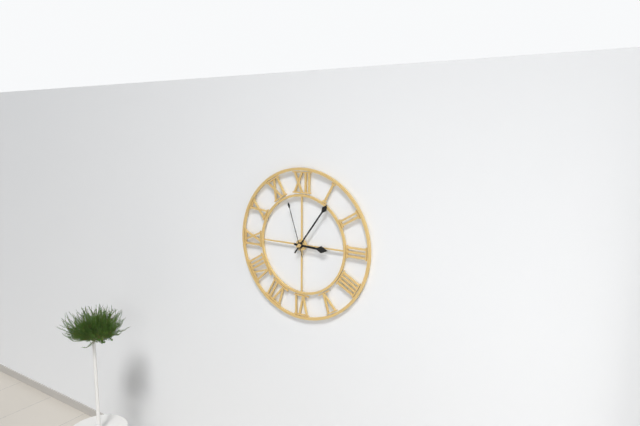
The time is **3:06:57**
